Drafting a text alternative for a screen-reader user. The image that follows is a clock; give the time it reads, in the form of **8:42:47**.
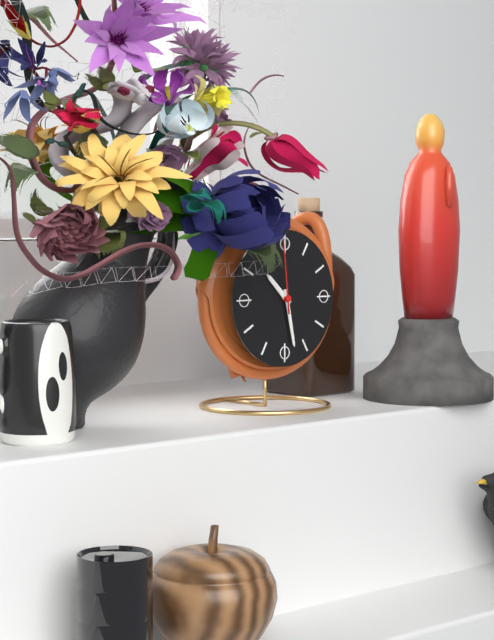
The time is **10:28:59**
